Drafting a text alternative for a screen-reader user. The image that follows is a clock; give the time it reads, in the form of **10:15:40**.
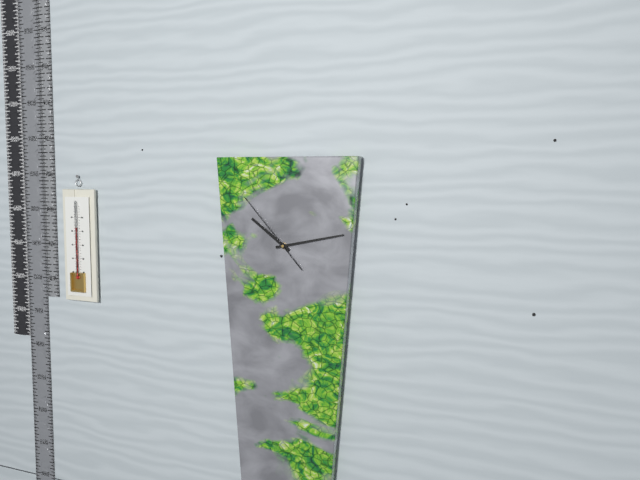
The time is **10:13:53**
